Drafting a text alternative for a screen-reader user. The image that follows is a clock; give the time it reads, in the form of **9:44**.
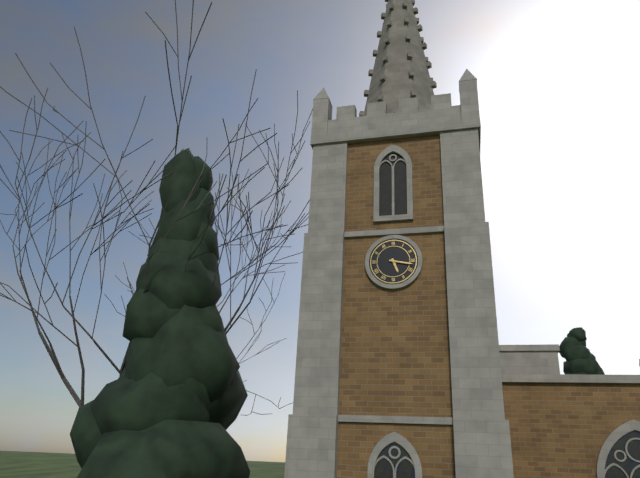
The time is **5:17**
